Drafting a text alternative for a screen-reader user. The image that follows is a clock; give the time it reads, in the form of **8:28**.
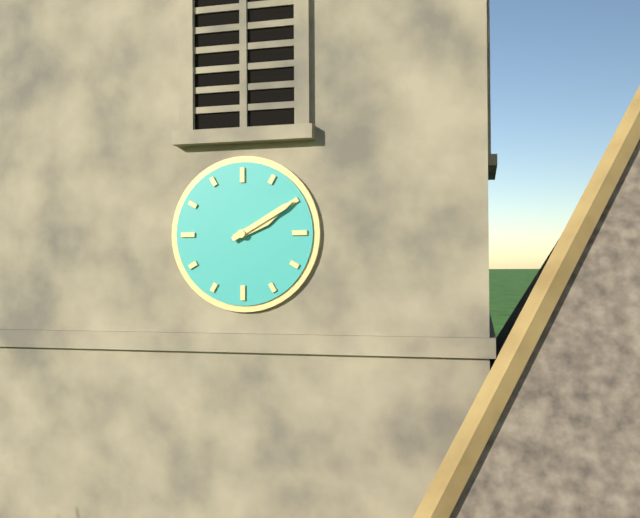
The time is **2:10**
